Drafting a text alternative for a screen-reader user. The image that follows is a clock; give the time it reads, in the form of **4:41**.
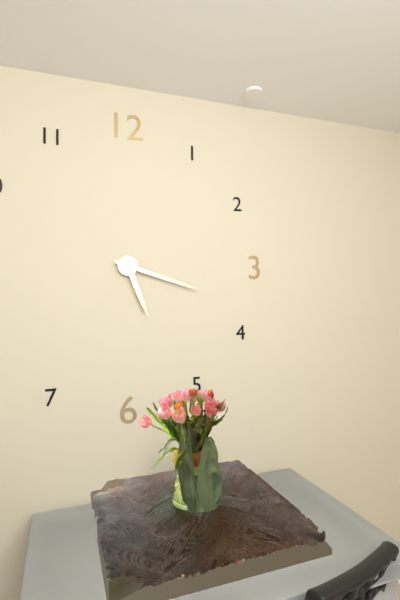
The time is **5:18**
